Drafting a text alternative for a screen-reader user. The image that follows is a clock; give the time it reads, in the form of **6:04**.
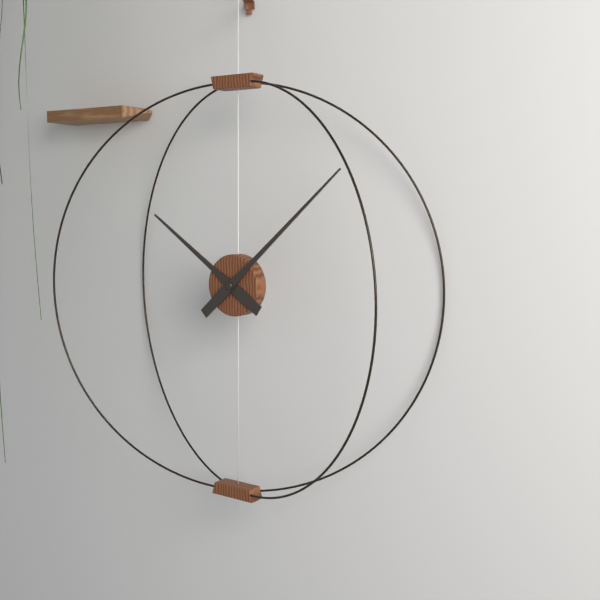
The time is **10:08**
